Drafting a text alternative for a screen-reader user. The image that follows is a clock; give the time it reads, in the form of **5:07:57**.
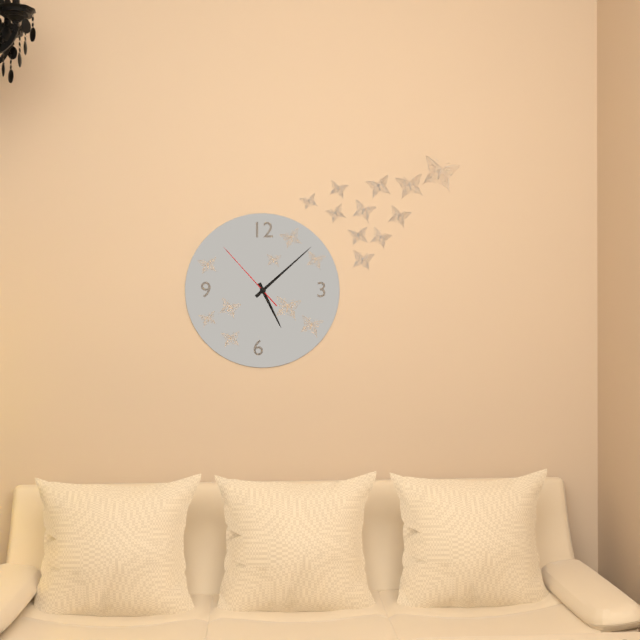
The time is **5:08:53**
